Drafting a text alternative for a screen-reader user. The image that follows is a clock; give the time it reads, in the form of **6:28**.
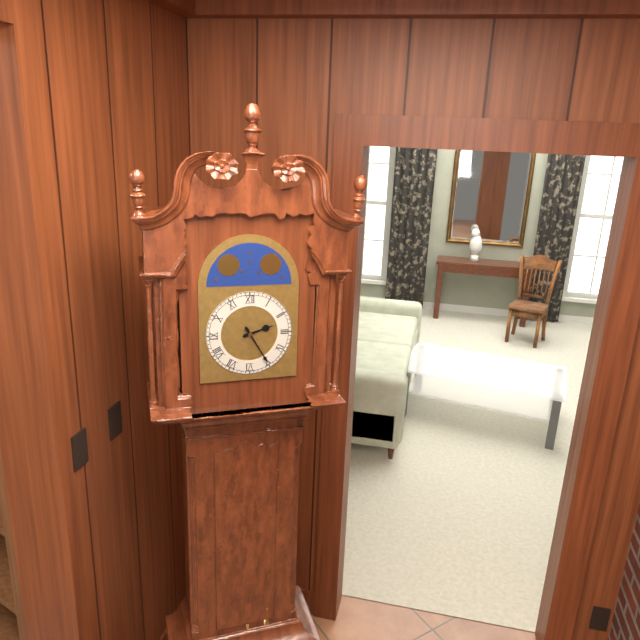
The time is **2:25**
